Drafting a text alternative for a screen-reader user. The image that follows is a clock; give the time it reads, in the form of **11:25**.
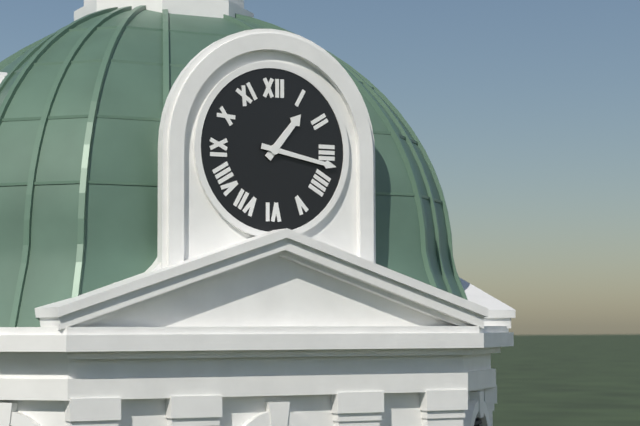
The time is **1:17**
